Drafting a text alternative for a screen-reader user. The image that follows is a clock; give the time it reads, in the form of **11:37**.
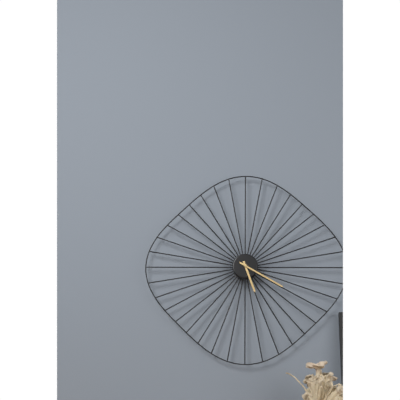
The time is **5:20**
